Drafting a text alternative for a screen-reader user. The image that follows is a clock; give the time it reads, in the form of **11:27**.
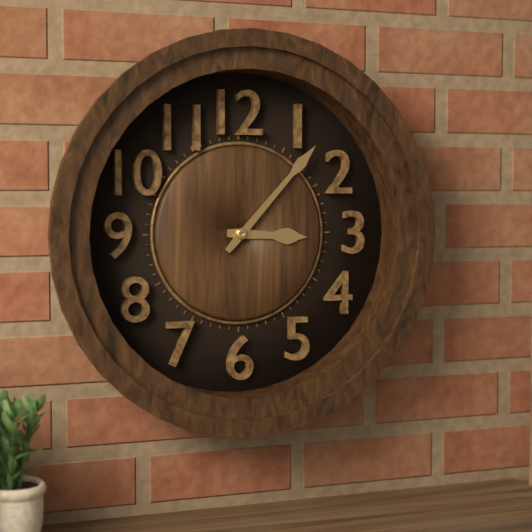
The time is **3:07**
